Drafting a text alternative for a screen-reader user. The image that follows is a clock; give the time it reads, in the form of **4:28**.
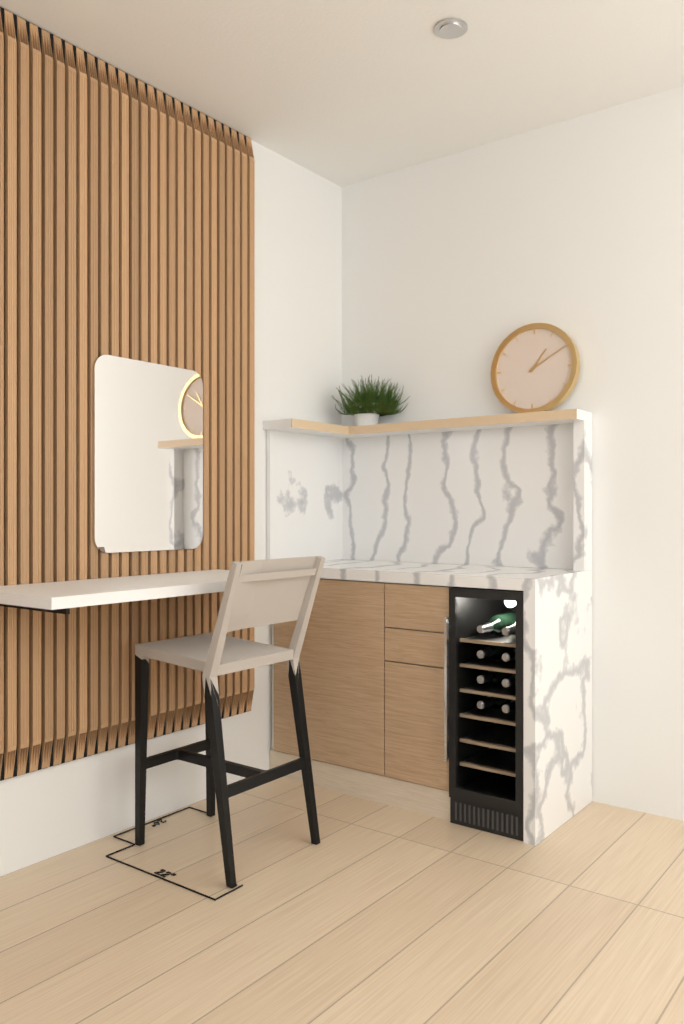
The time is **1:10**
